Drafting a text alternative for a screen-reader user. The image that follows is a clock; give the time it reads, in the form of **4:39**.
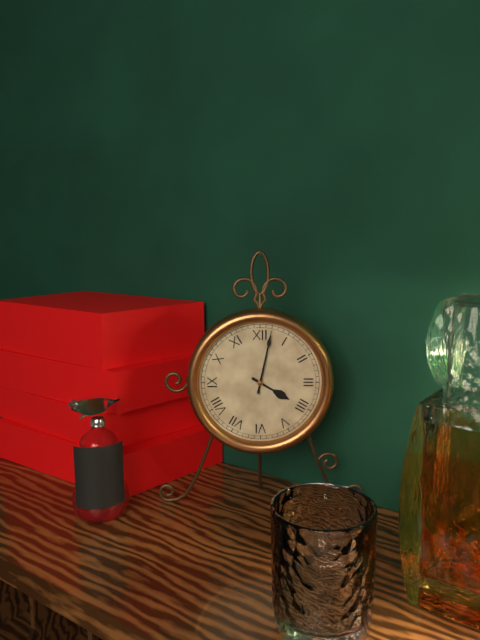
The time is **4:02**
